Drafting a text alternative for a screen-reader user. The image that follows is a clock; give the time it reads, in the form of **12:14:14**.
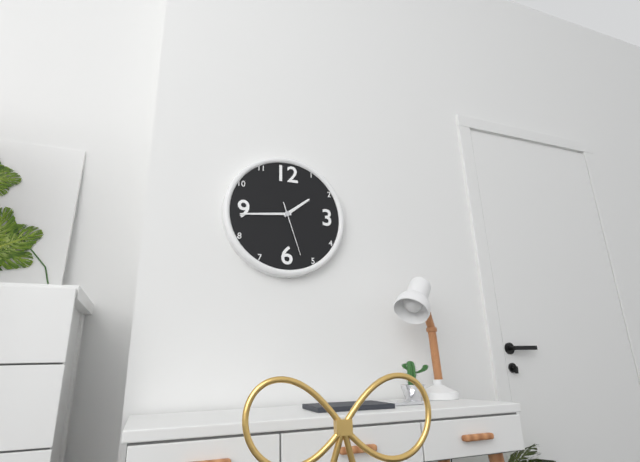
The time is **1:44:27**
